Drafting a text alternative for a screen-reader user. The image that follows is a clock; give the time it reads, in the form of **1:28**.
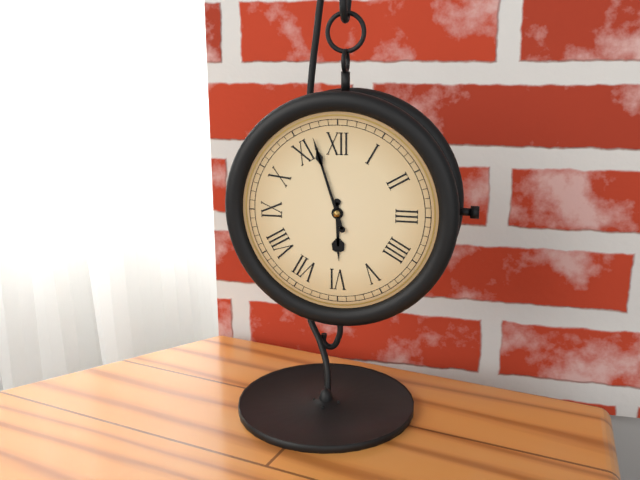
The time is **5:57**
